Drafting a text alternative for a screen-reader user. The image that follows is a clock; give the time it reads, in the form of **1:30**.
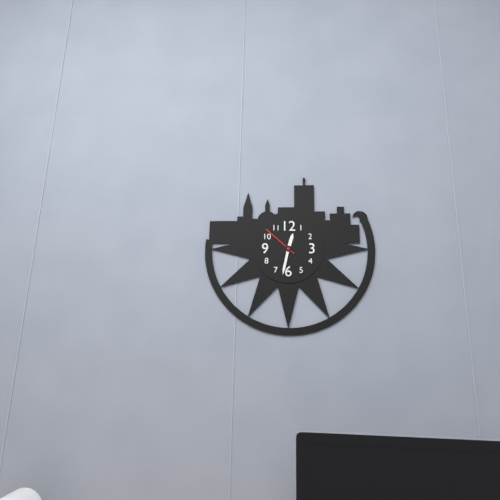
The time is **12:32**
